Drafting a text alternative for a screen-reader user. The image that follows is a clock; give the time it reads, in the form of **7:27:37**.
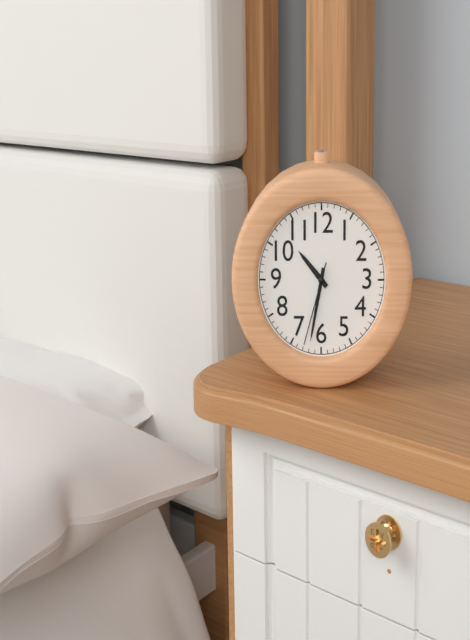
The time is **10:32:33**
